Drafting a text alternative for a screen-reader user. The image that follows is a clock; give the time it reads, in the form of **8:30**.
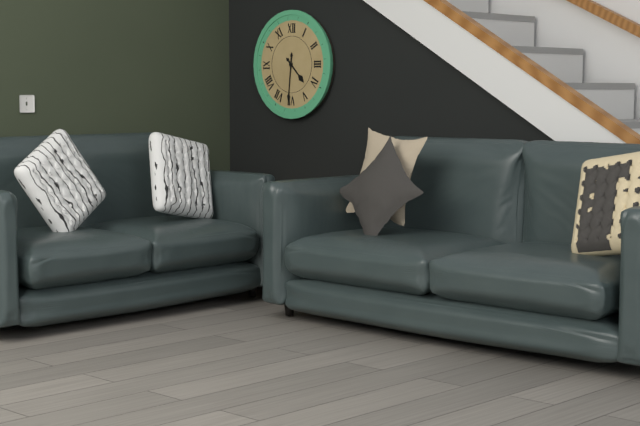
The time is **4:31**
